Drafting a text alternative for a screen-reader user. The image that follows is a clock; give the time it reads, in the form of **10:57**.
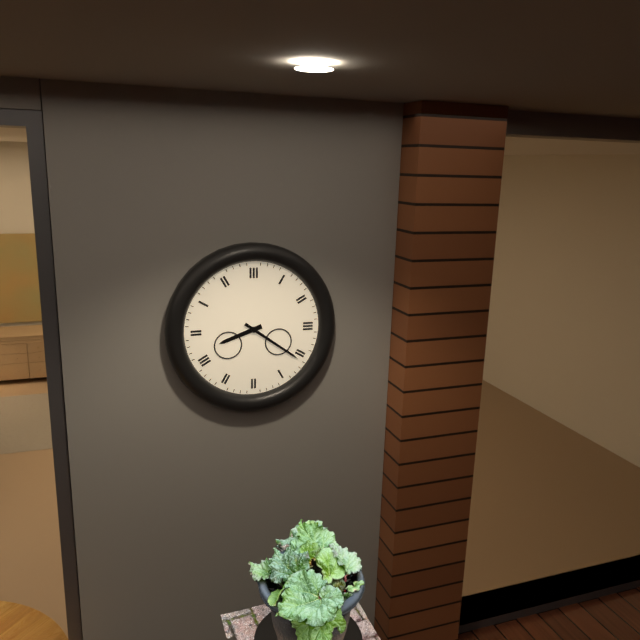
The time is **8:21**
